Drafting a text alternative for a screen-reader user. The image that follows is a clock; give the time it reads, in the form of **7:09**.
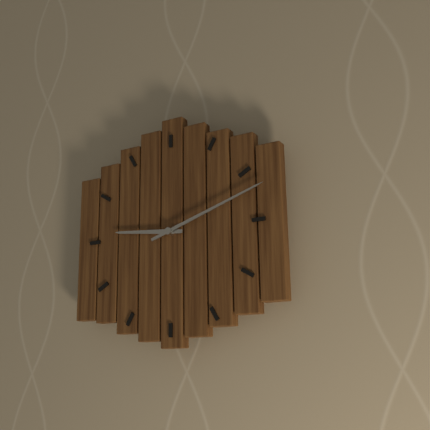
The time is **9:12**
